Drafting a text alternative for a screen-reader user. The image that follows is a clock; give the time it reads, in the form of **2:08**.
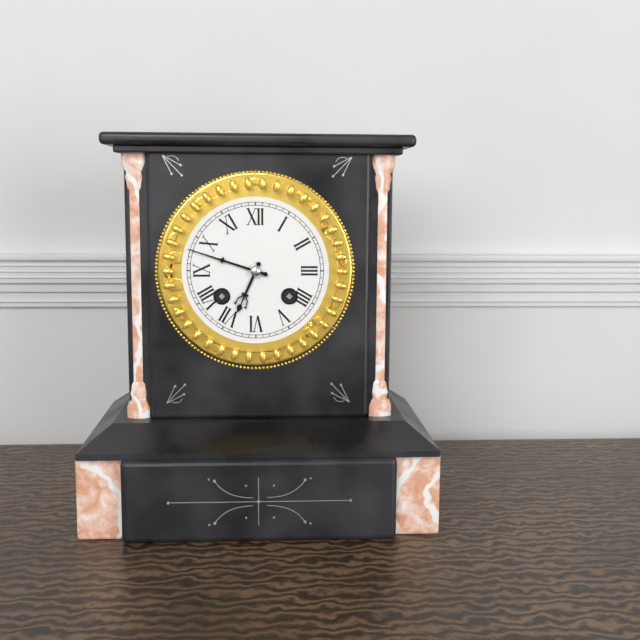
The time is **6:48**
